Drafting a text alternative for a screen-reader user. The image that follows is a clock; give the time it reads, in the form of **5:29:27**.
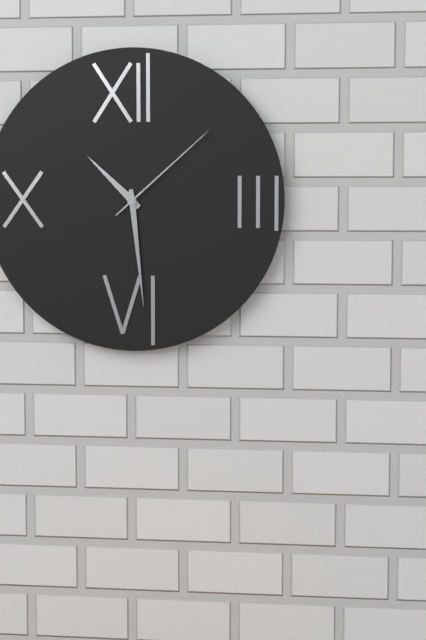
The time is **10:29:08**
